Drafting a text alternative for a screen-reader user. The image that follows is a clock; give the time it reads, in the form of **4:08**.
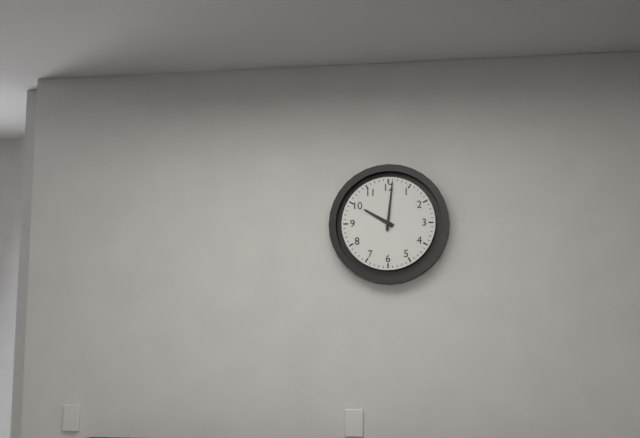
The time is **10:01**
